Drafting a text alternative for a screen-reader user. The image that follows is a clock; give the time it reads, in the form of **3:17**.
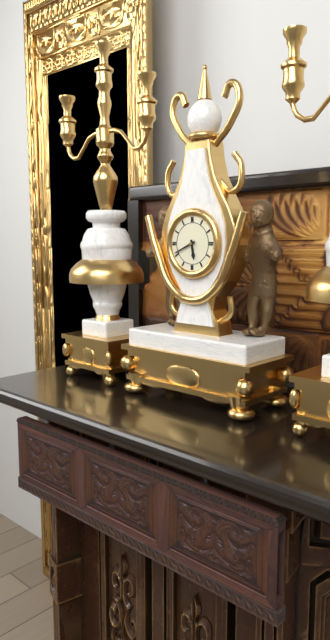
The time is **5:41**
